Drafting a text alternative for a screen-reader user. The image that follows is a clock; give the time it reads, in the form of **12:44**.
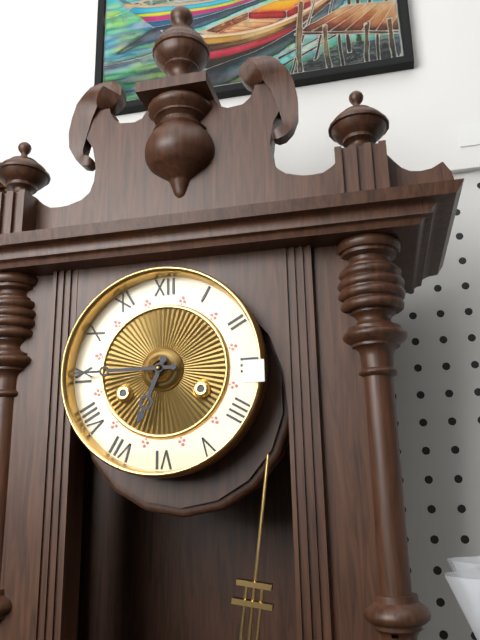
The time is **6:45**
